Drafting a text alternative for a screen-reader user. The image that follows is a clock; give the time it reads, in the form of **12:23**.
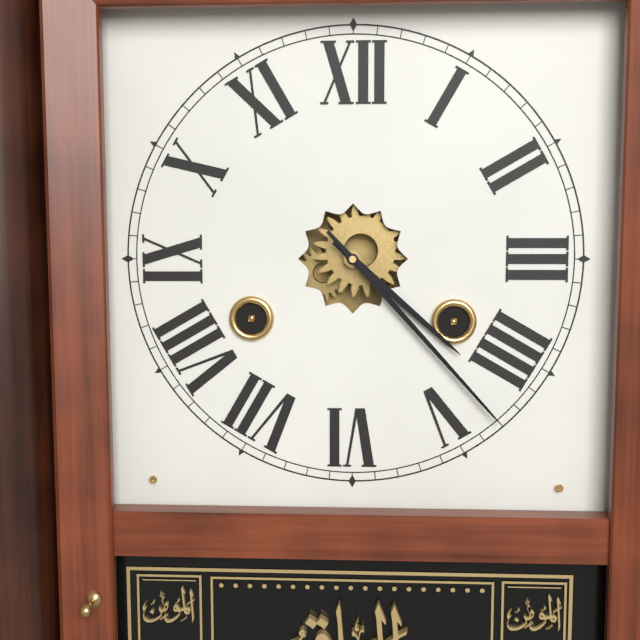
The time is **4:23**
